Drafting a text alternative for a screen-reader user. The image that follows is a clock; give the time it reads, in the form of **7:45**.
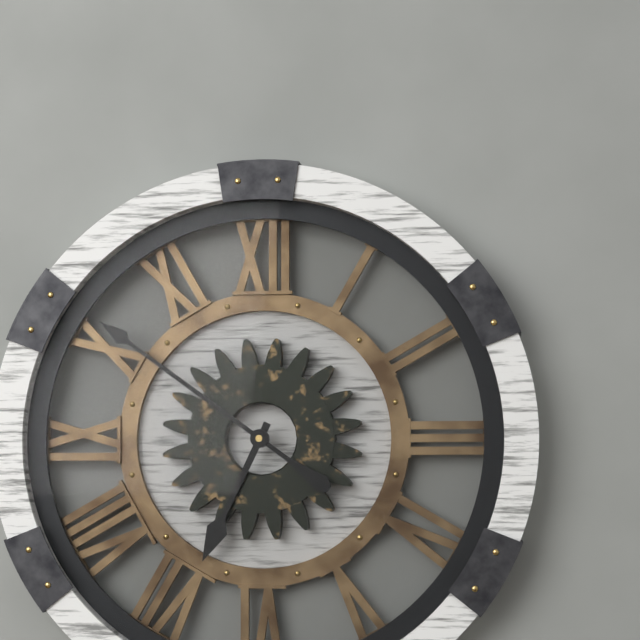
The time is **6:51**
